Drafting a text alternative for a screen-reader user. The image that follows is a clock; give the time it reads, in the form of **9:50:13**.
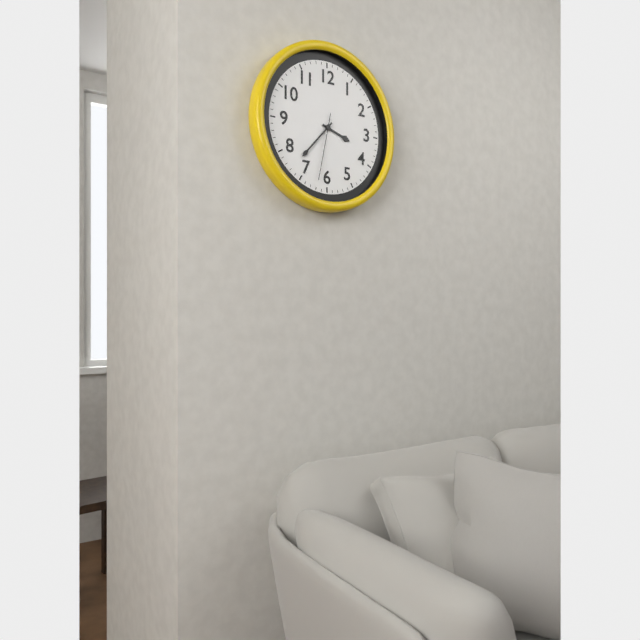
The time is **3:37:32**
